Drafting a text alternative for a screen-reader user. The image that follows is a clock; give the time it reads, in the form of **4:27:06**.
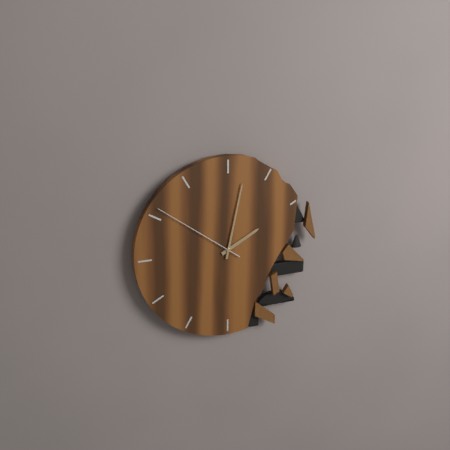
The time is **2:02:51**
